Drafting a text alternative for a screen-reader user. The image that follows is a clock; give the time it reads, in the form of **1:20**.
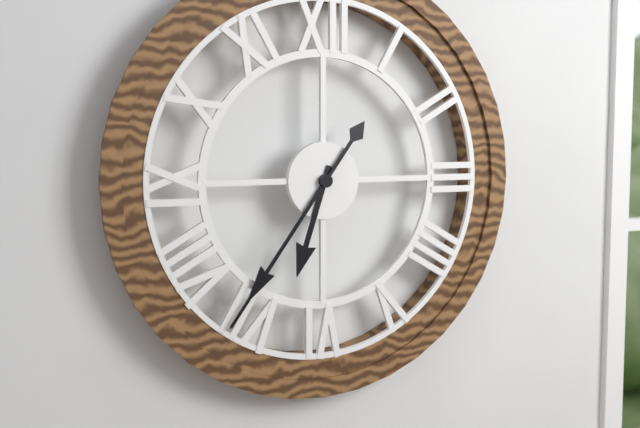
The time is **6:36**
